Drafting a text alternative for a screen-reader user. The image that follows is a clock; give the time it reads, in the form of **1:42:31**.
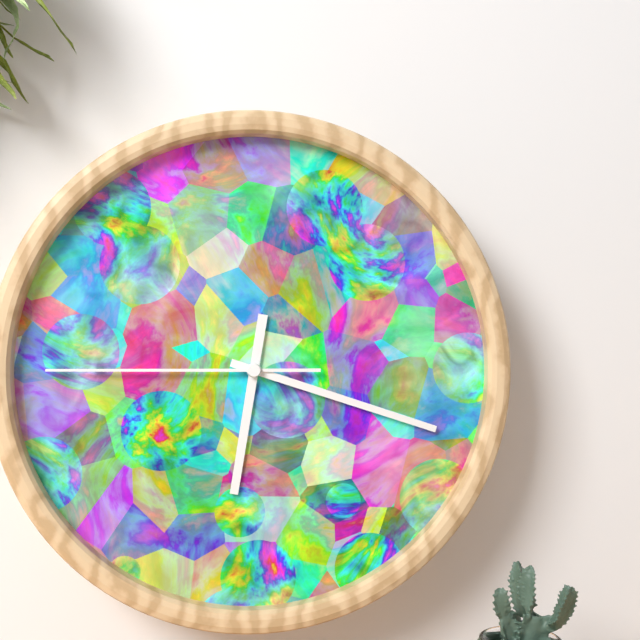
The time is **6:18:45**
